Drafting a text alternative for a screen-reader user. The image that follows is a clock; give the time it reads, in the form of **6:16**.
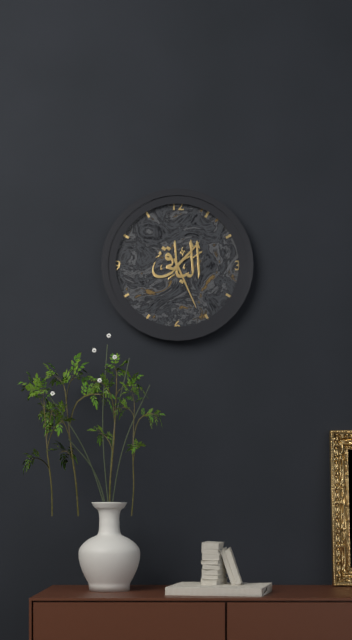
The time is **1:26**
